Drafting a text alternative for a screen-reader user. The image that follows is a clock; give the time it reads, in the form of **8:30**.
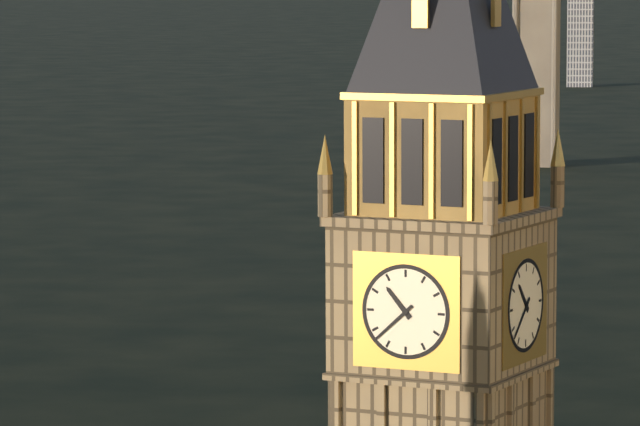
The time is **10:38**
